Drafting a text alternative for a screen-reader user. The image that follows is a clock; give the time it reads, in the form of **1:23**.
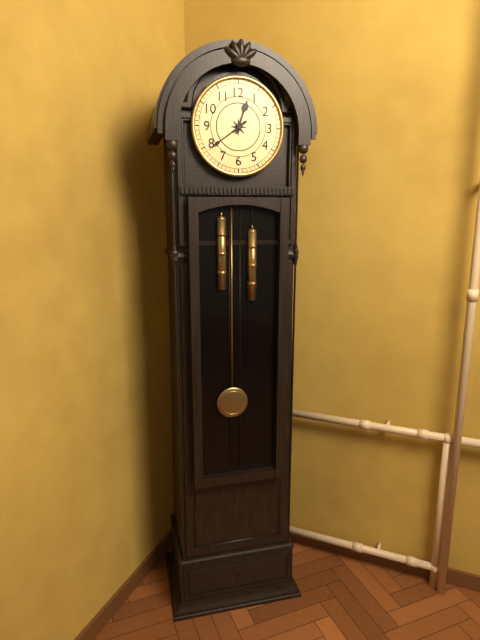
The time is **12:39**
